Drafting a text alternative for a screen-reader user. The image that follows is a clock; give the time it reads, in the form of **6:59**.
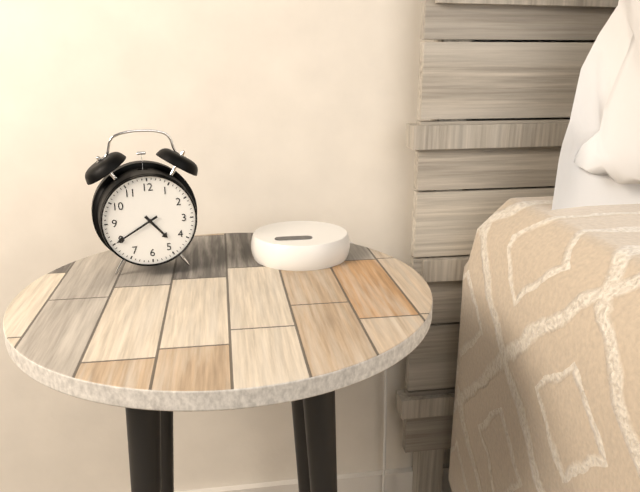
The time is **4:40**
